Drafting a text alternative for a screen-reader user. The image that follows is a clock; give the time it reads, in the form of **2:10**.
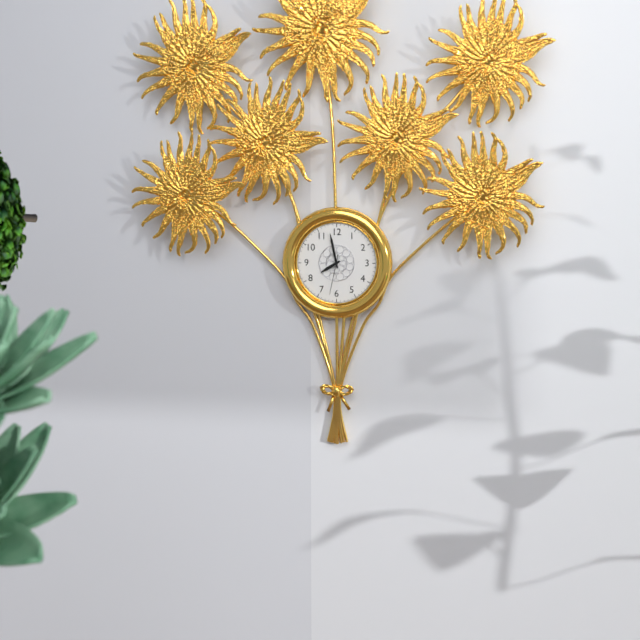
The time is **7:58**
